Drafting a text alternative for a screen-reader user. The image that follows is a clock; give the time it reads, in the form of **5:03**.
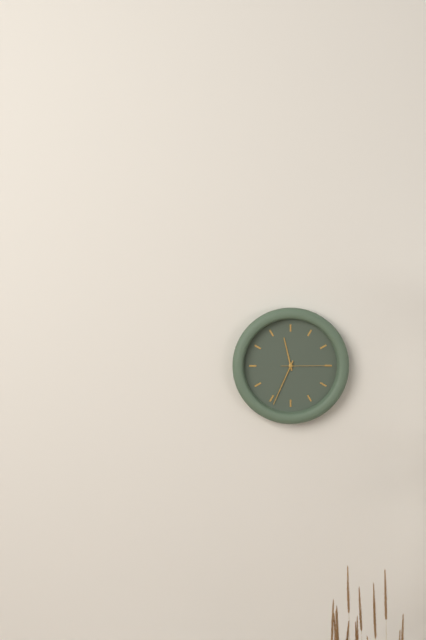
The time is **11:34**
